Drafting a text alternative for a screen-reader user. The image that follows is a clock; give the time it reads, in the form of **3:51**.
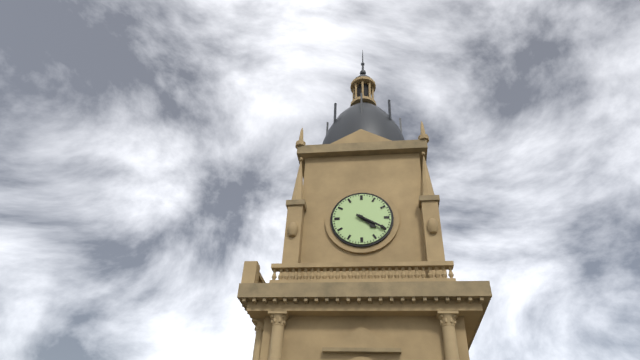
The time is **4:20**
